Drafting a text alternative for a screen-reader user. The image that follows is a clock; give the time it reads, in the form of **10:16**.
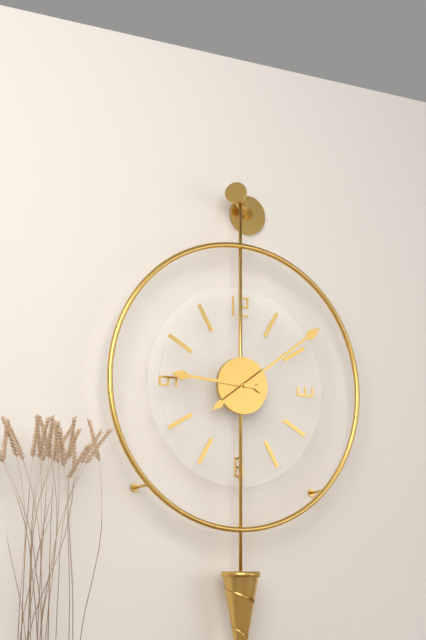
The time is **9:09**
